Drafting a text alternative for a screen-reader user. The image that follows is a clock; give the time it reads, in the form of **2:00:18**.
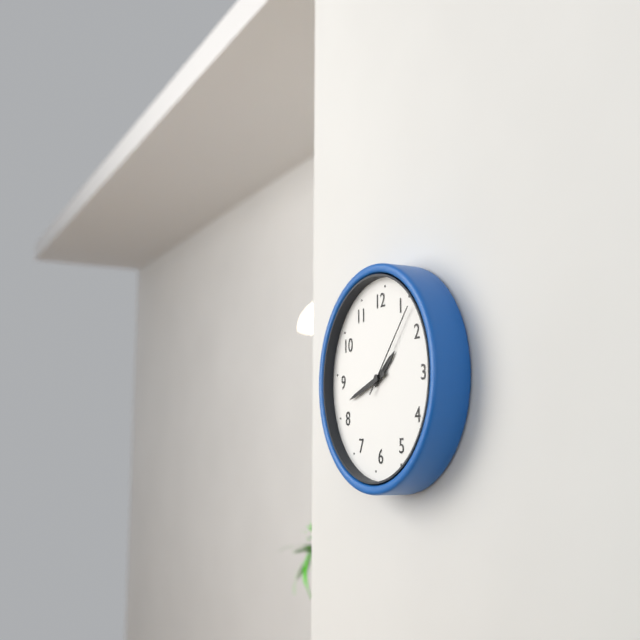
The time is **1:42:07**
